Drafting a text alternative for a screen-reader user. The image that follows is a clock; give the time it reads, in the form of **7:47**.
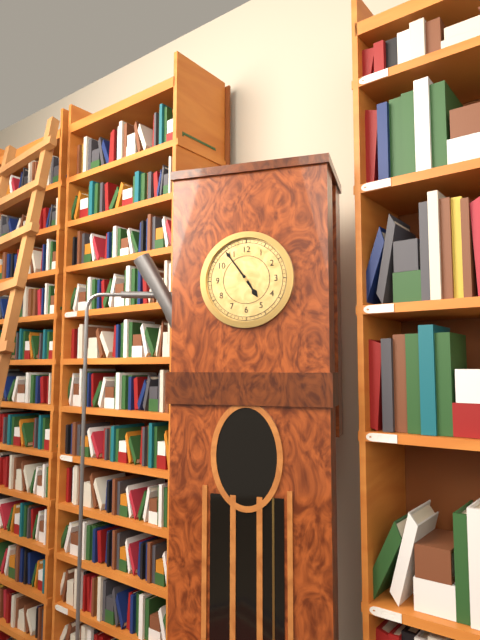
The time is **4:54**
